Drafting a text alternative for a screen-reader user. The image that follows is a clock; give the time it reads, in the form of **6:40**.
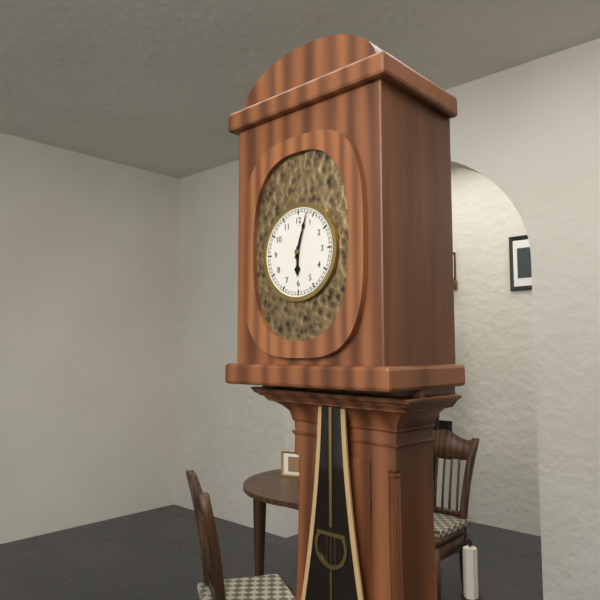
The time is **6:03**
